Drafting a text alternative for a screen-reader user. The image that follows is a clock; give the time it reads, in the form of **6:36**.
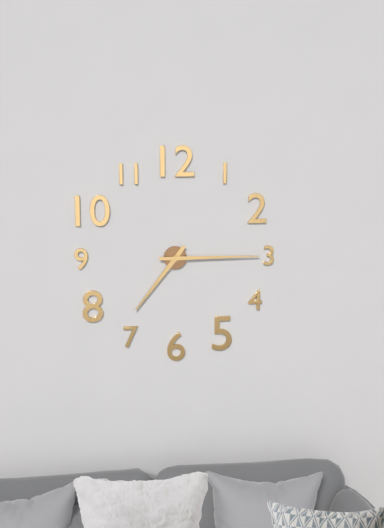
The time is **7:15**
